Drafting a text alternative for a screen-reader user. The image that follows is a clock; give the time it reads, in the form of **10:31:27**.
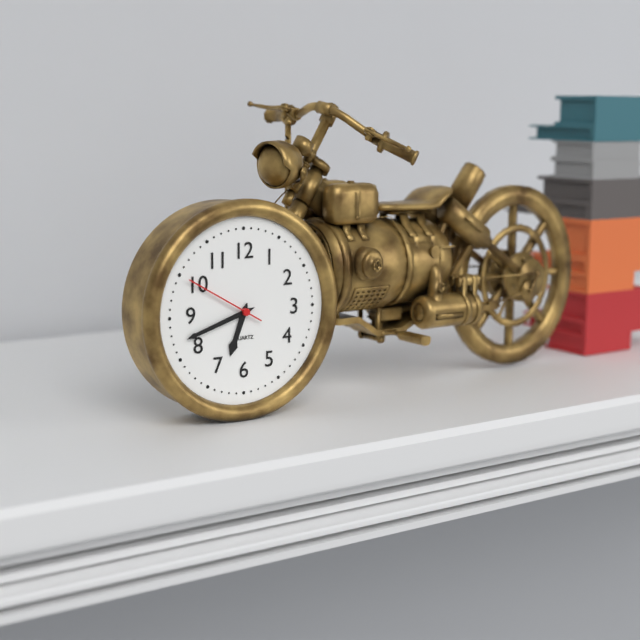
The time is **6:42:50**
